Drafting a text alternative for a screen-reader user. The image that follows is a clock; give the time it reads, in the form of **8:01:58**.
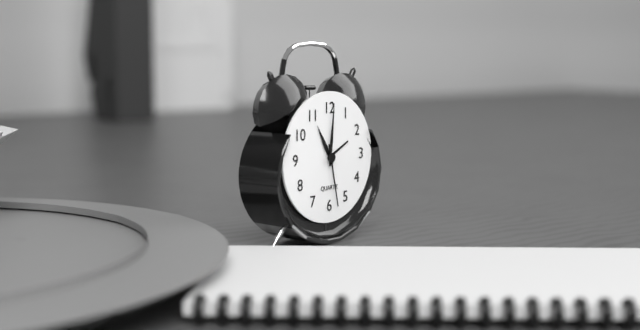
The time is **11:01:28**
